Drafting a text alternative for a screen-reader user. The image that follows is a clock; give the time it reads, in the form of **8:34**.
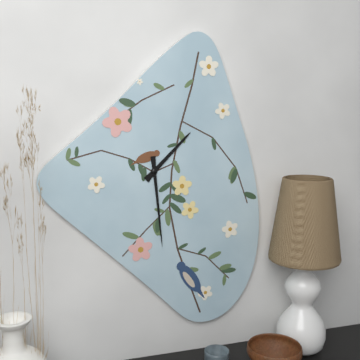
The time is **1:29**
